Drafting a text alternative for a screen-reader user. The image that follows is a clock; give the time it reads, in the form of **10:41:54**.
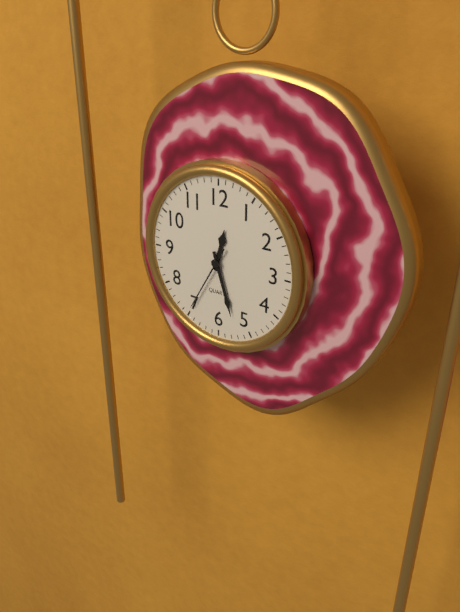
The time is **12:27:35**
